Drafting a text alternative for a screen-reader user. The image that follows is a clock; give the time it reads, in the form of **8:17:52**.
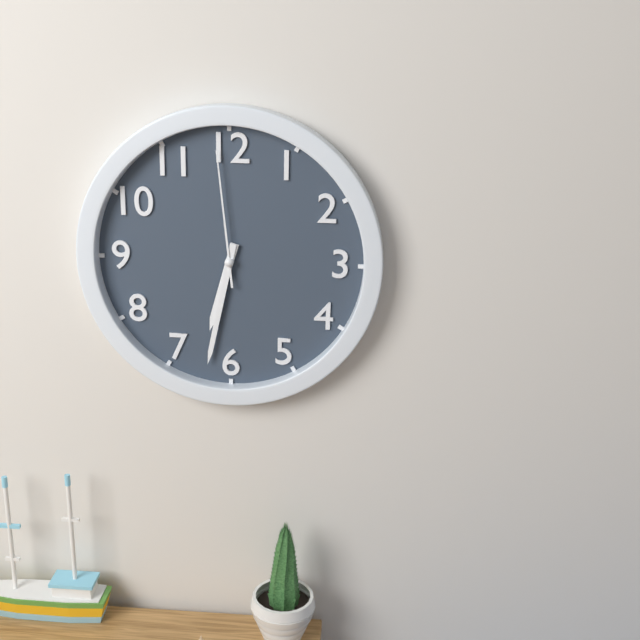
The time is **6:32:59**
